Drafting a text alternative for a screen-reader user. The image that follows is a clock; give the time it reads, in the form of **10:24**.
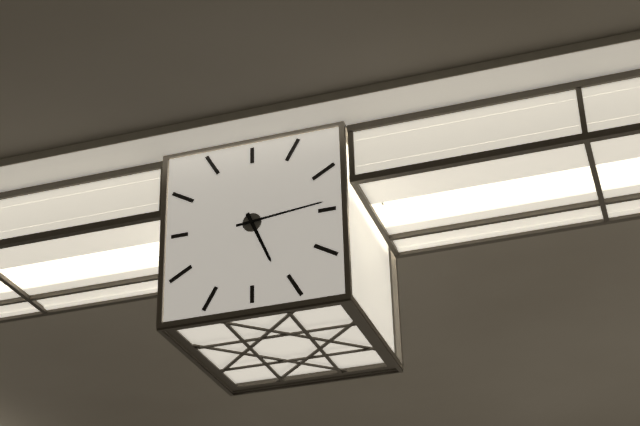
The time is **5:14**
